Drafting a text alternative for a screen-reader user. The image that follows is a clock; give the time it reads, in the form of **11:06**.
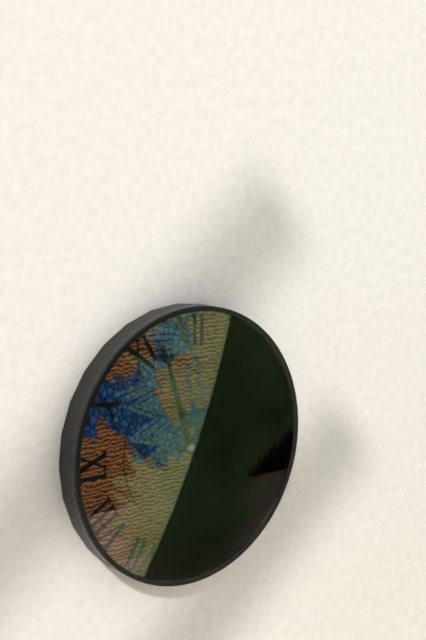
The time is **2:57**
